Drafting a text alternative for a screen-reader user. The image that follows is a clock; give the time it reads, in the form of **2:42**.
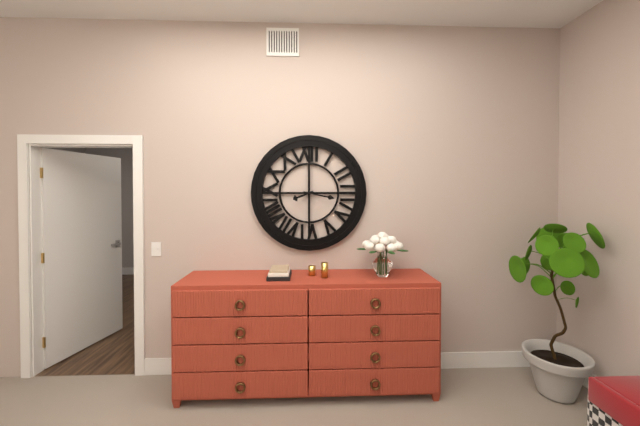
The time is **8:17**
